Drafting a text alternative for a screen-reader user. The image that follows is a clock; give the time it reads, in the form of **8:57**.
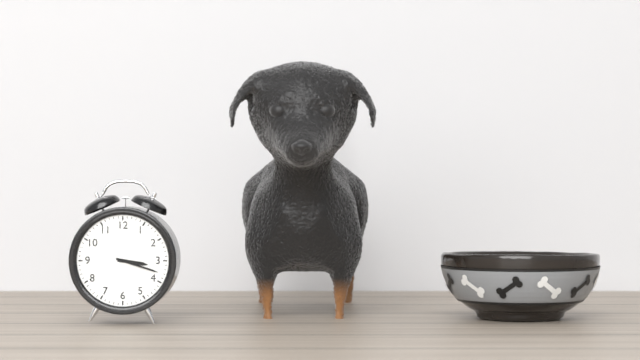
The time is **3:18**
